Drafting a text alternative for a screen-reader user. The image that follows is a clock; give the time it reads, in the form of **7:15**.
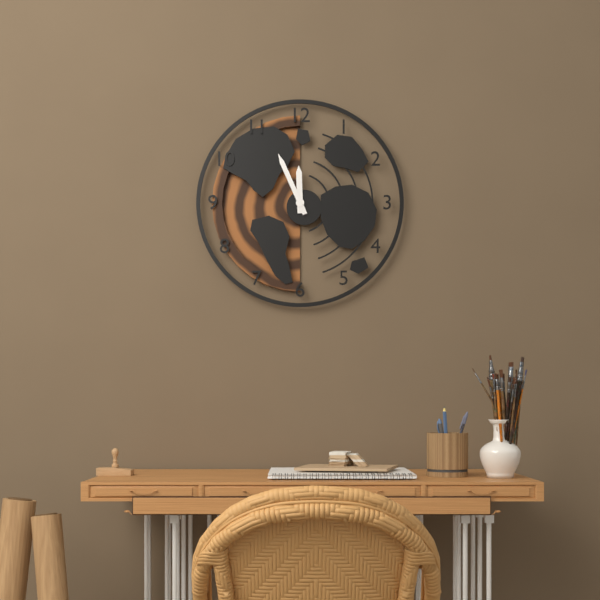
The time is **11:56**
